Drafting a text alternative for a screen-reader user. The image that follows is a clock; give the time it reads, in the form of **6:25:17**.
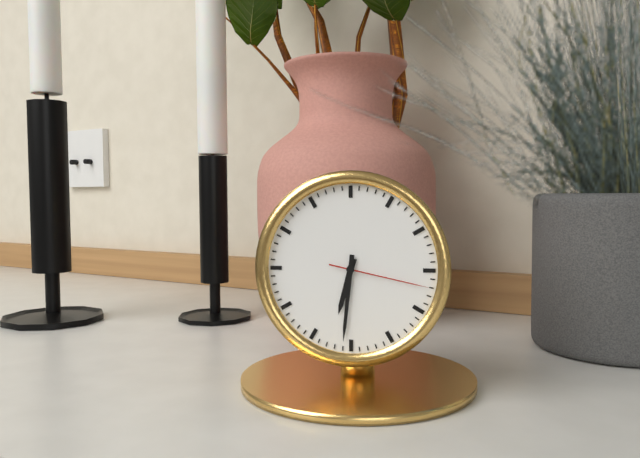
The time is **6:31:17**
